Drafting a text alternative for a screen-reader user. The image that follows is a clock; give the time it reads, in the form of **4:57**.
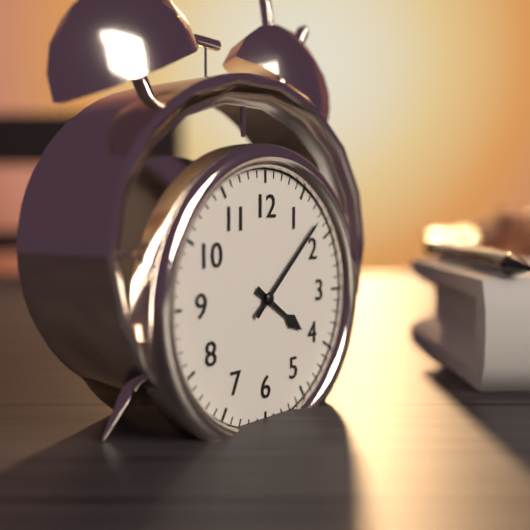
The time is **4:08**
